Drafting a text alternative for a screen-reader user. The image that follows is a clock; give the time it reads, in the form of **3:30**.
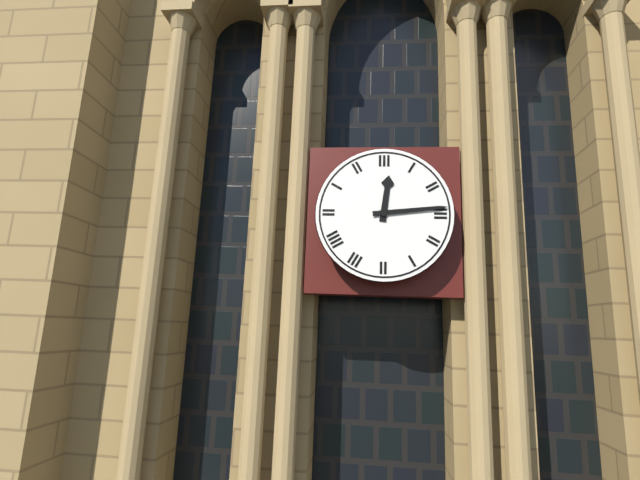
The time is **12:14**
